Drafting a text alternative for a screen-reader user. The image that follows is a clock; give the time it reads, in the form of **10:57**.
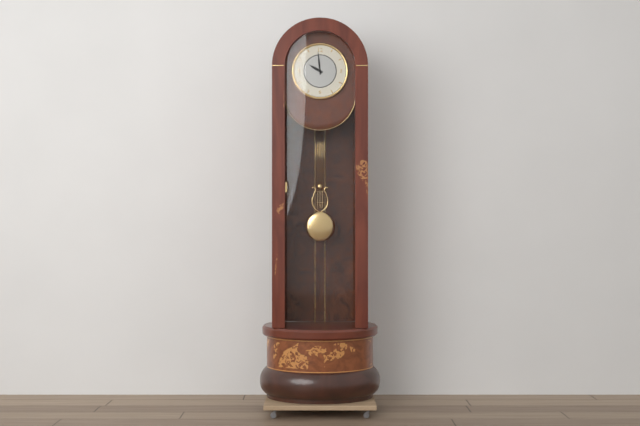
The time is **9:59**
